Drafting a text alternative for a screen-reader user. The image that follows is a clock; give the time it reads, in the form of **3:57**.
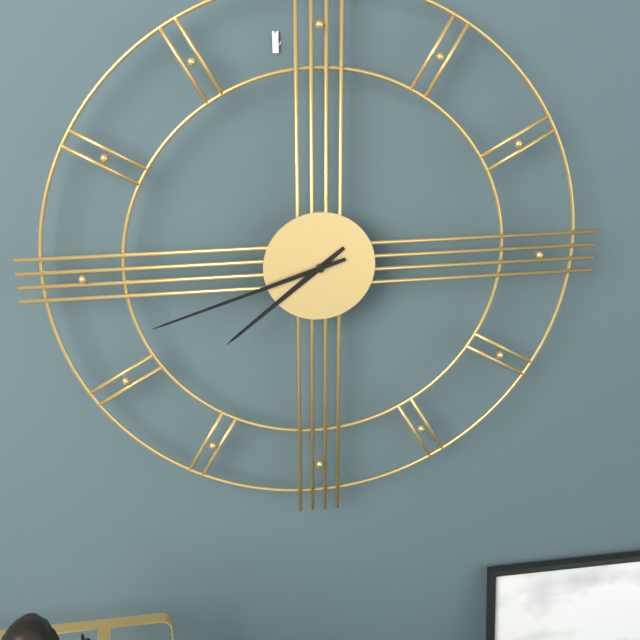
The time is **7:42**
